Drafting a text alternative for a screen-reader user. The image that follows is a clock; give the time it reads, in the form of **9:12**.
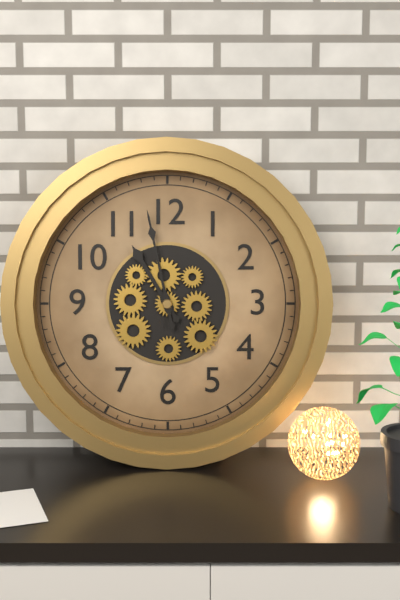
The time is **10:58**
